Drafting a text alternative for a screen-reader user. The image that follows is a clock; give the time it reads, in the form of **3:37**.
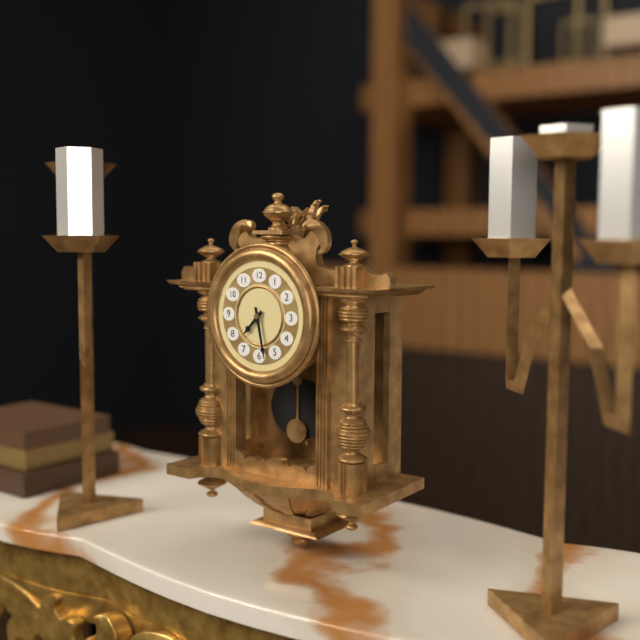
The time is **7:28**
